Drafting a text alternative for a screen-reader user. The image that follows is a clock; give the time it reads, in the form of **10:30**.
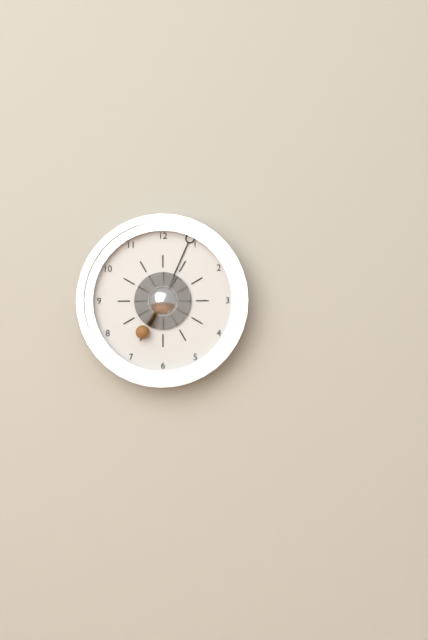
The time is **7:04**
